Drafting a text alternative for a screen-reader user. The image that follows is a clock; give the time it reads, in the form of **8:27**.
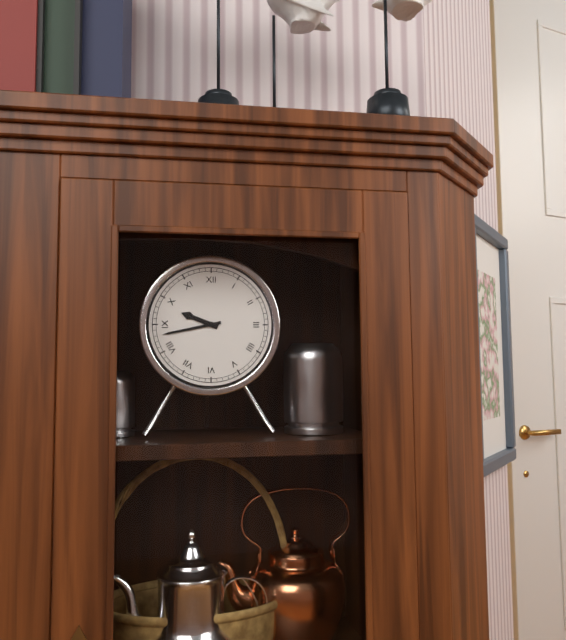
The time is **9:43**
